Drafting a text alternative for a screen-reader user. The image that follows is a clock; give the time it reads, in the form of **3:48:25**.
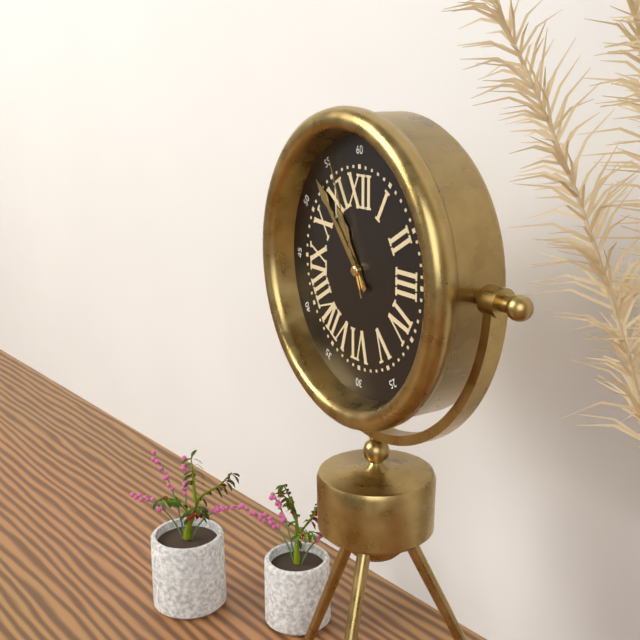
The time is **10:53:56**
